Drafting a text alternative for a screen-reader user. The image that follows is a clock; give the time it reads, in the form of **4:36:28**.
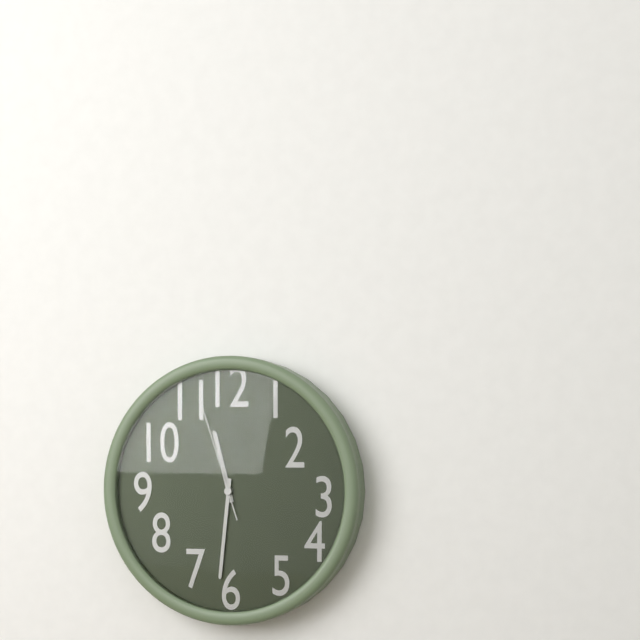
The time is **11:31:57**
